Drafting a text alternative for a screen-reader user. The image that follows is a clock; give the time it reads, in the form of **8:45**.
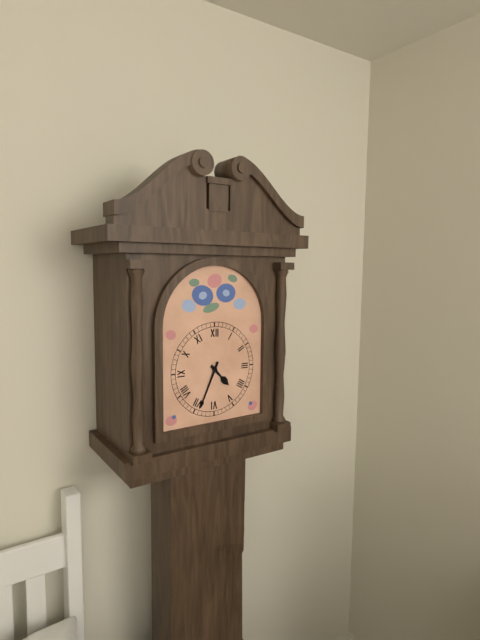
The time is **4:34**
